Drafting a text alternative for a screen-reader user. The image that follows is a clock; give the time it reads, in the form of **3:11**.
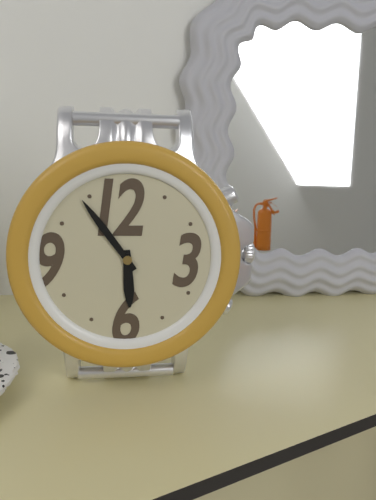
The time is **5:54**
